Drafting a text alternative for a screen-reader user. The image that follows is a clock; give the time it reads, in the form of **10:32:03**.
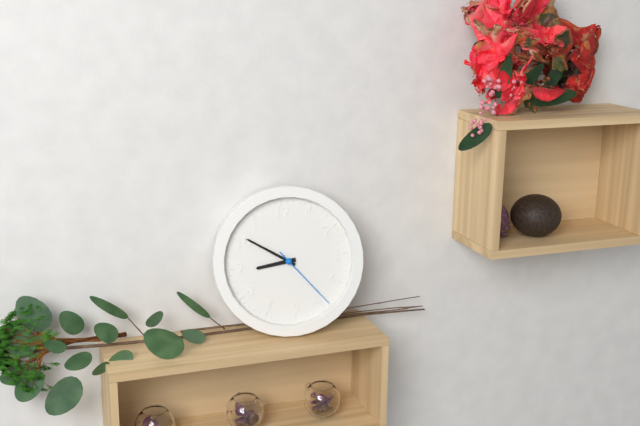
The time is **8:51:24**
